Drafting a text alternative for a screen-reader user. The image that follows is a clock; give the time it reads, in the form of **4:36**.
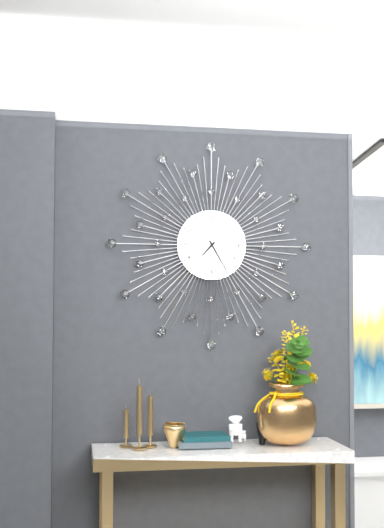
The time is **7:25**
